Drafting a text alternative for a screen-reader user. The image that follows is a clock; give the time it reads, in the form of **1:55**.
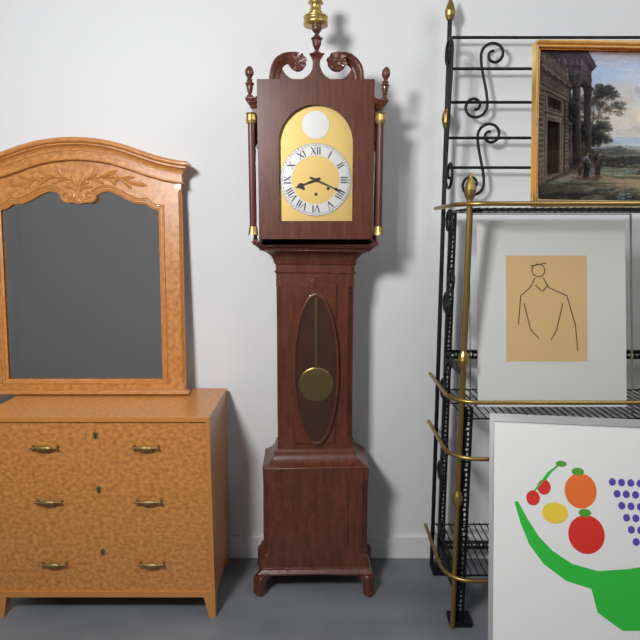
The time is **8:19**
